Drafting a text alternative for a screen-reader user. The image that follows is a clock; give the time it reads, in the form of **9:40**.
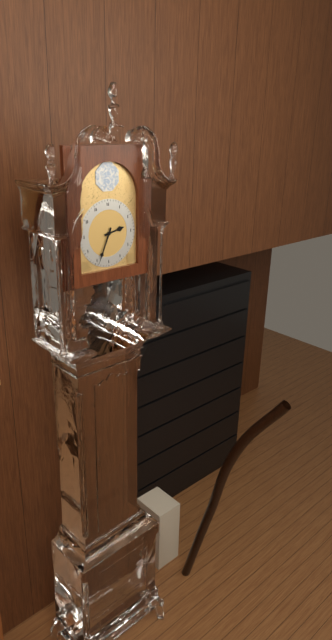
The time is **2:34**
